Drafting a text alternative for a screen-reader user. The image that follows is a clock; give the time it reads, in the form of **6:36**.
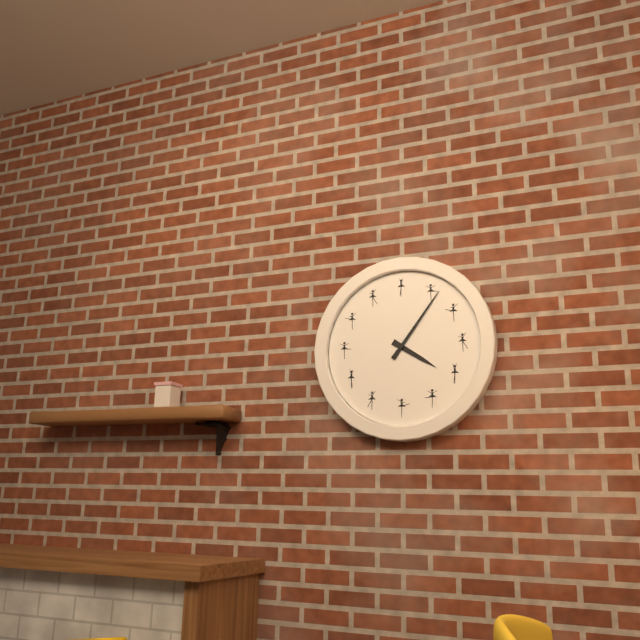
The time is **4:06**
